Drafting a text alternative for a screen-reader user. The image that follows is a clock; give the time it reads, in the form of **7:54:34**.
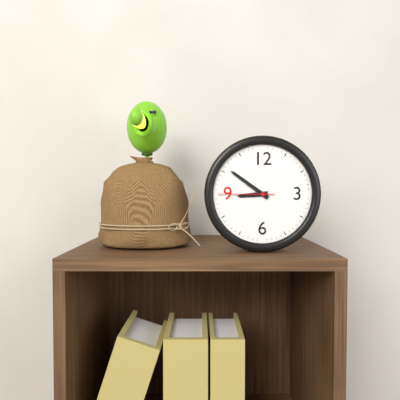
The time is **8:51:45**
